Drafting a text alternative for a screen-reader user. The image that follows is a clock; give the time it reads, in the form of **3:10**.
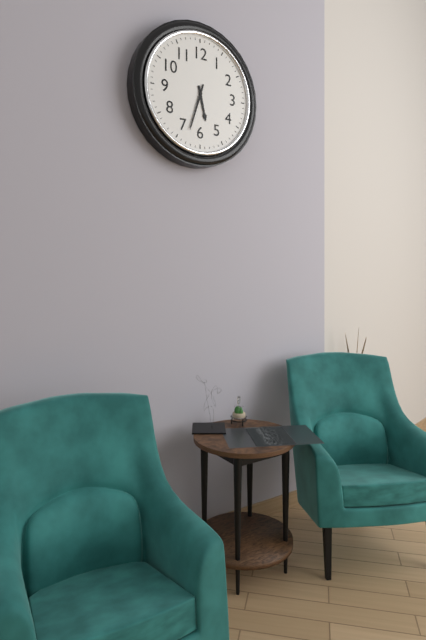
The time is **5:33**
